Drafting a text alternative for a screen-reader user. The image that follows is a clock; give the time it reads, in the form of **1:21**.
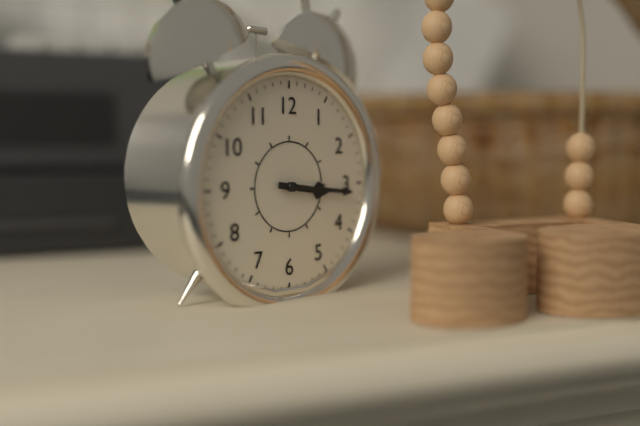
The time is **3:16**
